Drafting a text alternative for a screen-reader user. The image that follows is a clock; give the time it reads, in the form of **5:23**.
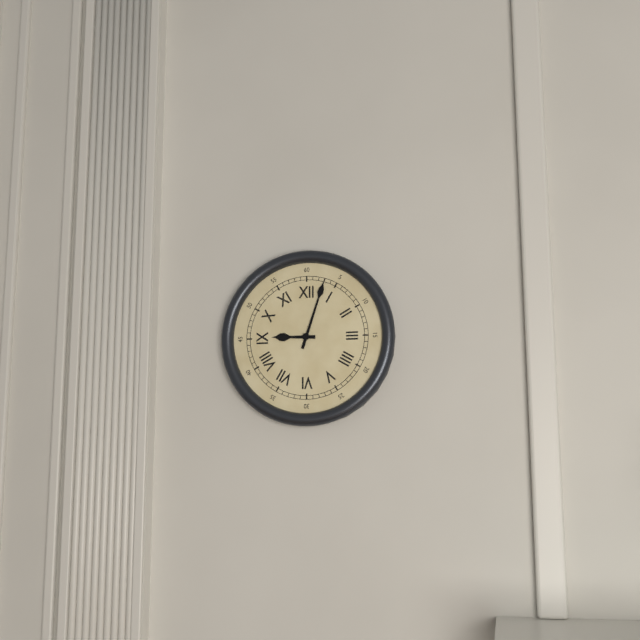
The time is **9:03**
